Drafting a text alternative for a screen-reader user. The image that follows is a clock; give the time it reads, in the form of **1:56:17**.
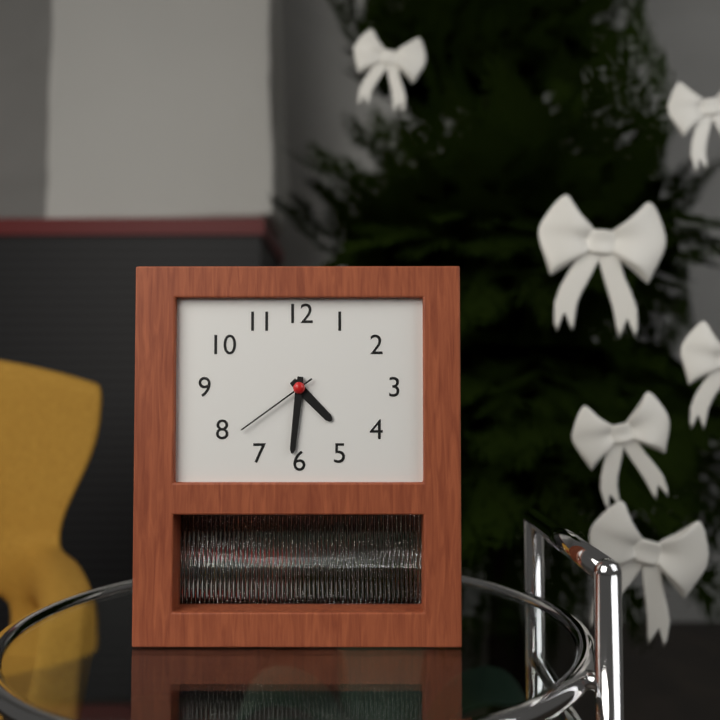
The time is **4:31:39**
